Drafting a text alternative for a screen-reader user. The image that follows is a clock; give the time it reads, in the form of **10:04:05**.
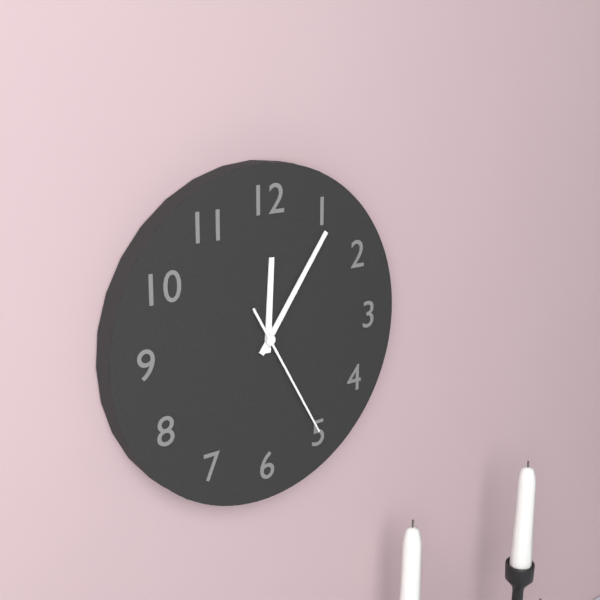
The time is **12:06:25**
